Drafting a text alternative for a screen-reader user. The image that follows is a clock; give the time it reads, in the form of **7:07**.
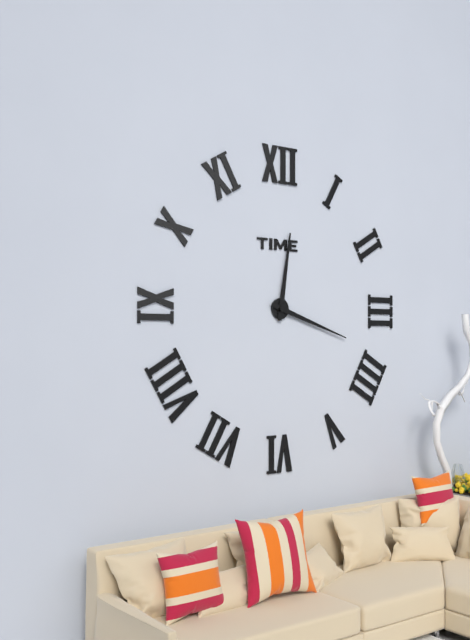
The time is **12:18**
